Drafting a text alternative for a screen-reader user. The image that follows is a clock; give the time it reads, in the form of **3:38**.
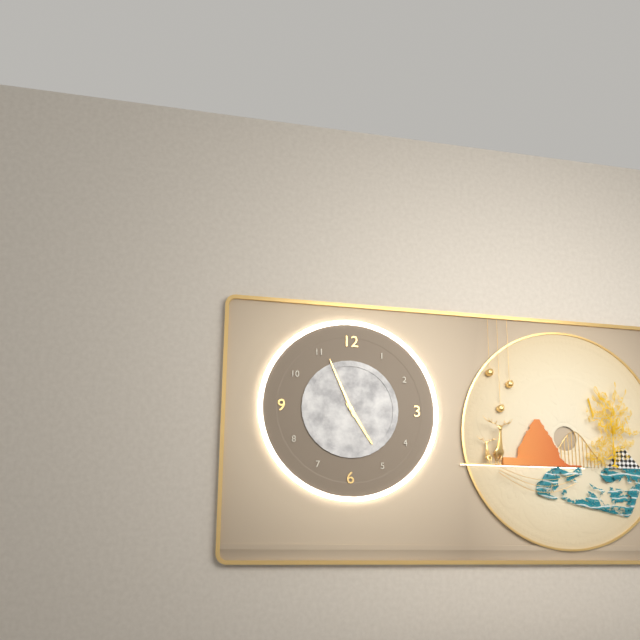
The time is **4:56**
